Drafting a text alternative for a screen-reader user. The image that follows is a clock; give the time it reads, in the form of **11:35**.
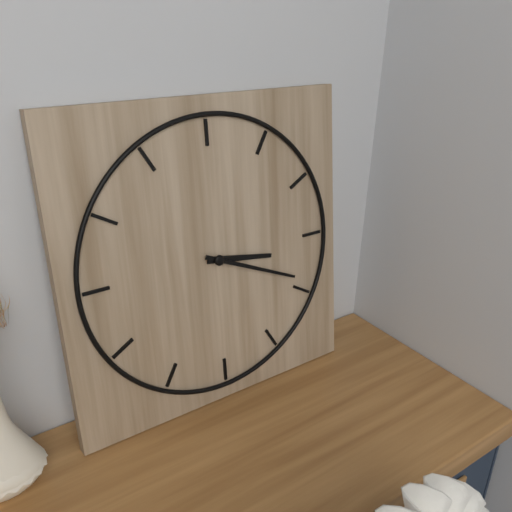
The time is **3:19**
